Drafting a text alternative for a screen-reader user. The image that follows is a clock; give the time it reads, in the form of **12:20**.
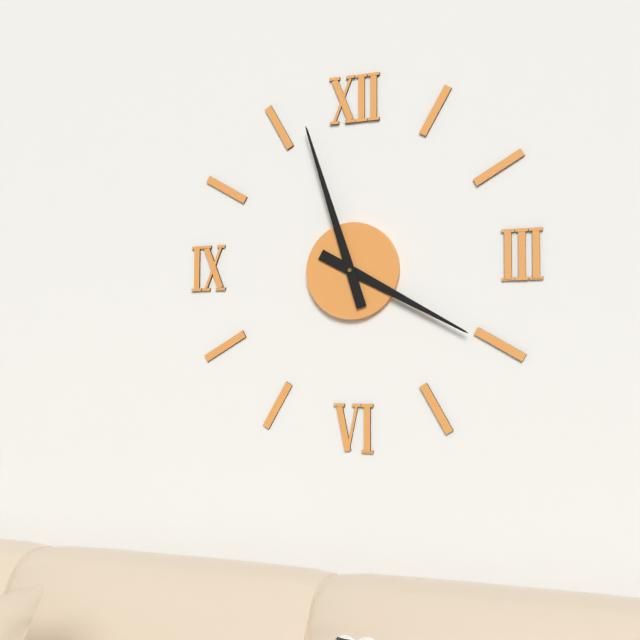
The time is **3:57**
